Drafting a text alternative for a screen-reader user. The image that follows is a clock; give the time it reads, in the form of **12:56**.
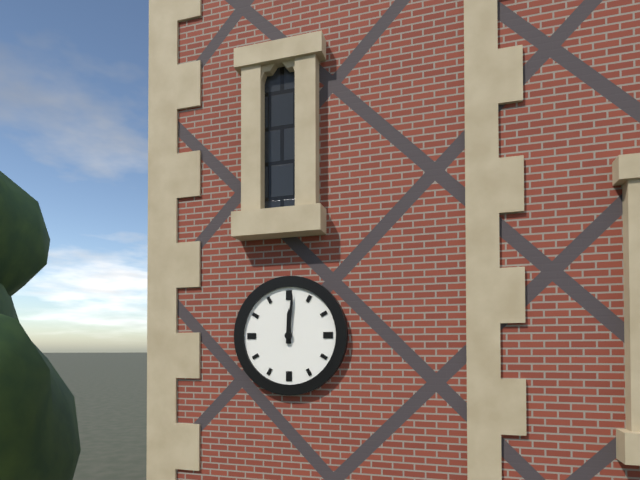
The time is **12:01**
